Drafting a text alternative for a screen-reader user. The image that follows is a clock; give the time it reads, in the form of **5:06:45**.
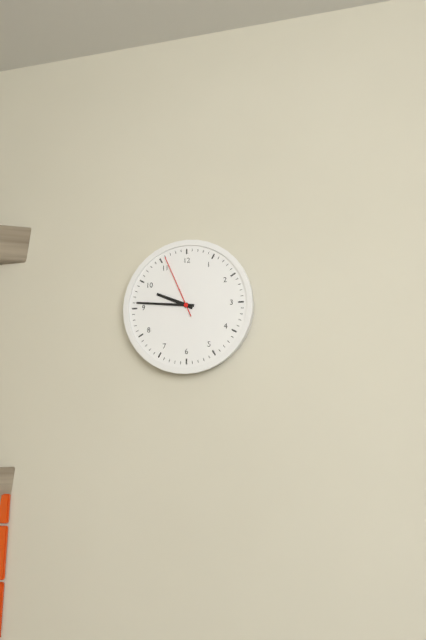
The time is **9:46:56**
